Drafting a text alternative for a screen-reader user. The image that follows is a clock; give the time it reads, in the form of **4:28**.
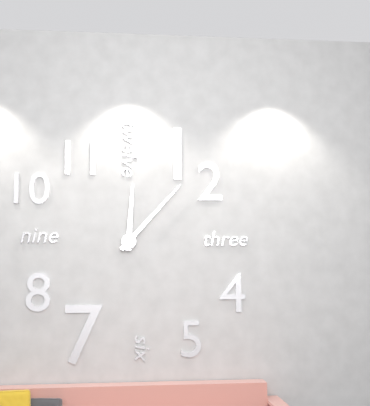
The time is **12:07**
